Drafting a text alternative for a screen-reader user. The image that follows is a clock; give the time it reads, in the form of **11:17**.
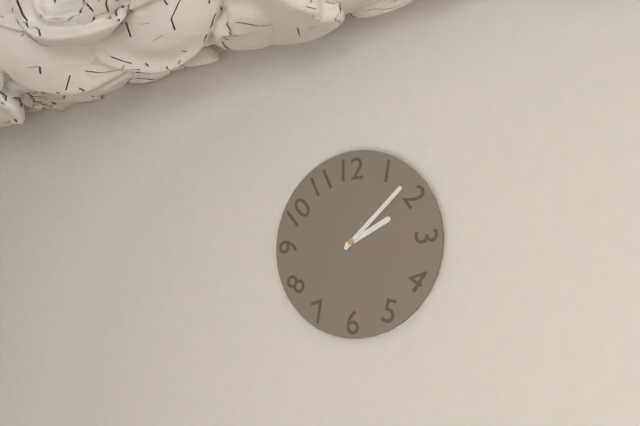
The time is **2:08**
